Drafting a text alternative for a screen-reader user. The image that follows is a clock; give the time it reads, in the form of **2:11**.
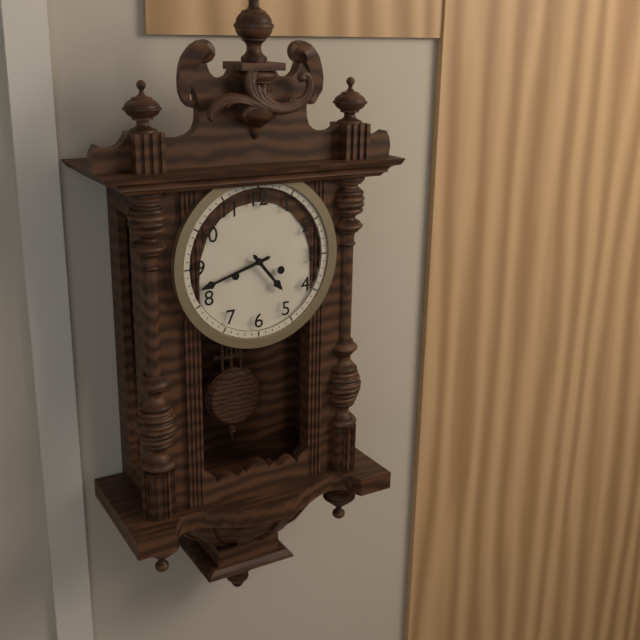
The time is **4:42**
